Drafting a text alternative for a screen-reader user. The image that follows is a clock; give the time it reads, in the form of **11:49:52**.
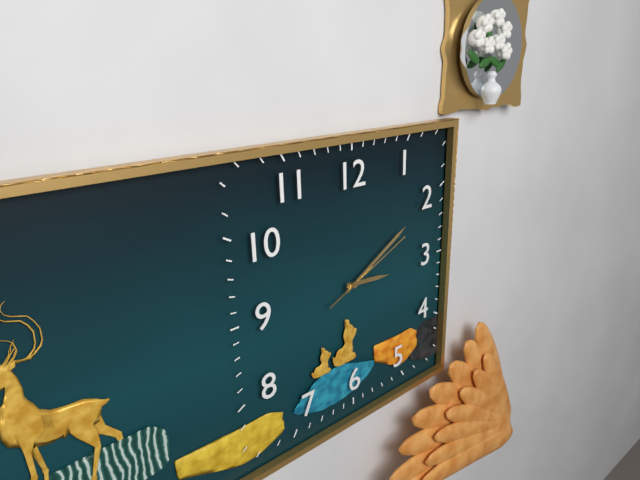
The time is **3:10:11**
